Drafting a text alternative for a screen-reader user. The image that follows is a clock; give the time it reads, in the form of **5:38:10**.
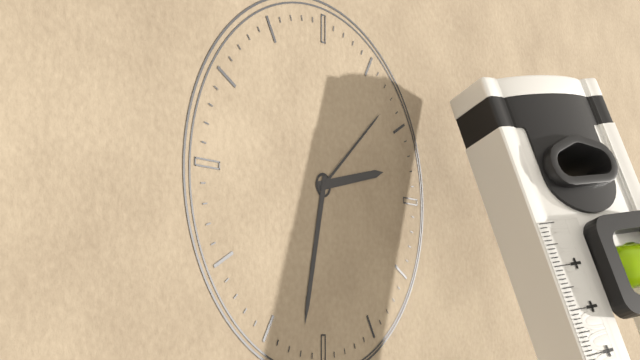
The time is **2:32:08**
